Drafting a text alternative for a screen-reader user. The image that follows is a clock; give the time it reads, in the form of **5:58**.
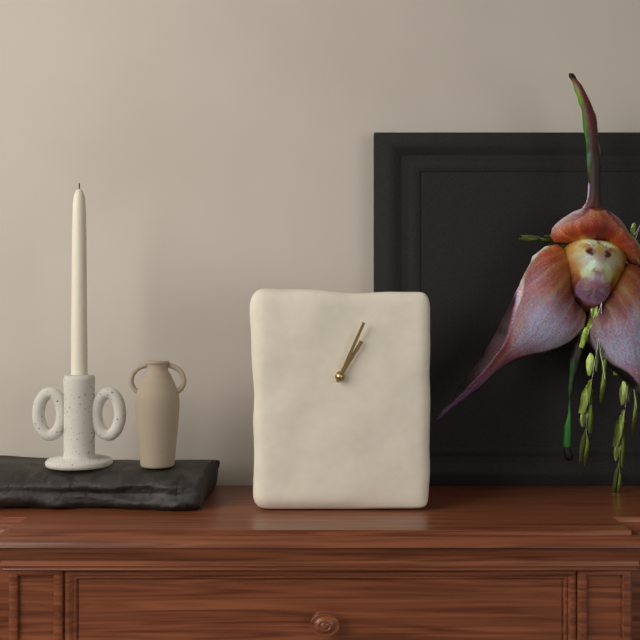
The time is **1:04**
